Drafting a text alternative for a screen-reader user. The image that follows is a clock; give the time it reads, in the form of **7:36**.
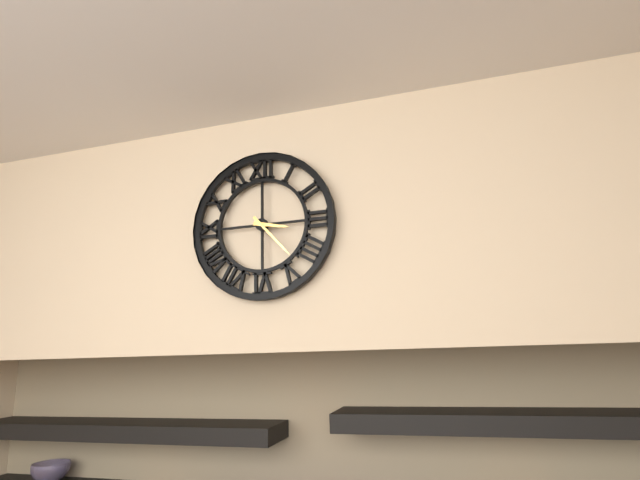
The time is **3:23**
